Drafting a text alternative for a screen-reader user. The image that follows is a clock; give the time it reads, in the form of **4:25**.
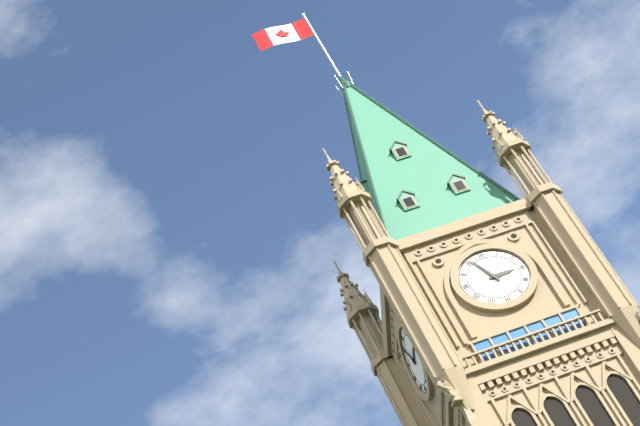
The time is **2:56**
